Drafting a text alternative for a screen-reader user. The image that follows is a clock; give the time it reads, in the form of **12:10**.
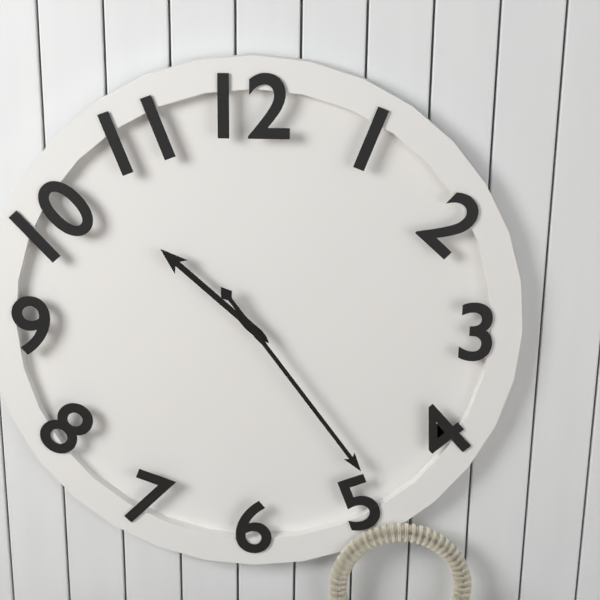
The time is **10:24**
